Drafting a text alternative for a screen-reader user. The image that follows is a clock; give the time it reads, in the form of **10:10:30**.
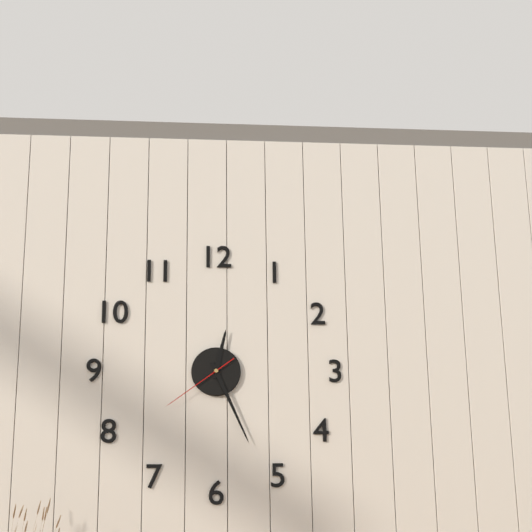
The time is **12:26:39**
